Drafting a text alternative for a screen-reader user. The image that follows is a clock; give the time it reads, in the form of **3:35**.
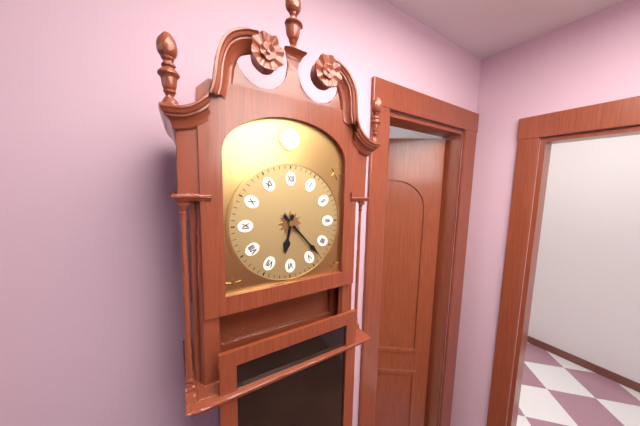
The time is **6:23**
